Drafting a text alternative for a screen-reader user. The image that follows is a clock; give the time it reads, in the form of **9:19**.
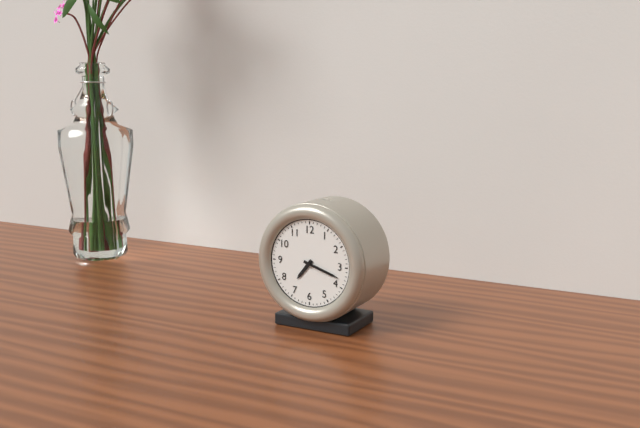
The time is **7:18**
